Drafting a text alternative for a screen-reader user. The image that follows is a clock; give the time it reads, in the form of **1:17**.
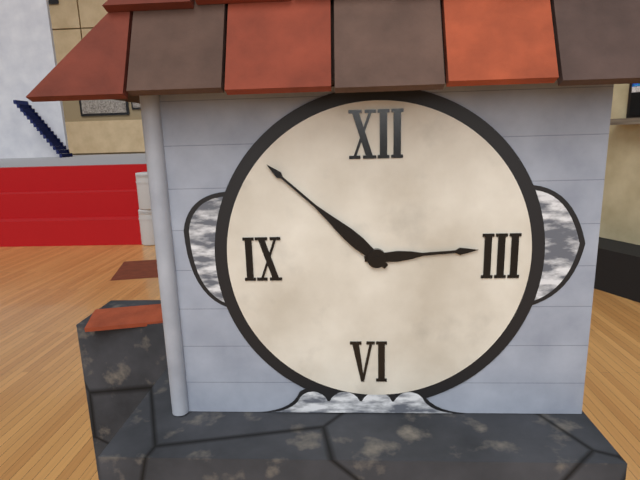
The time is **2:52**
